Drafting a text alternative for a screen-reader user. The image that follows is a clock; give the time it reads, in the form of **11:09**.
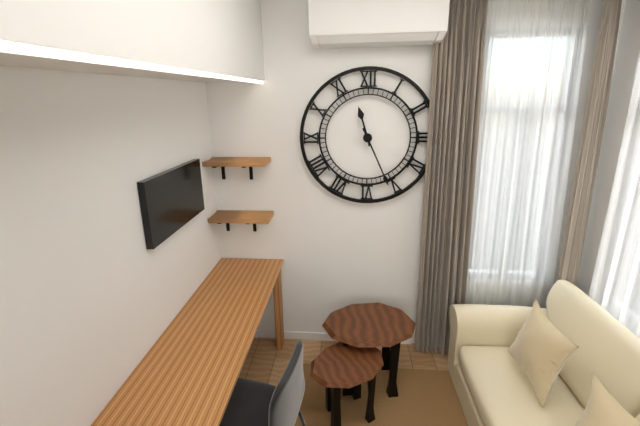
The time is **11:26**
